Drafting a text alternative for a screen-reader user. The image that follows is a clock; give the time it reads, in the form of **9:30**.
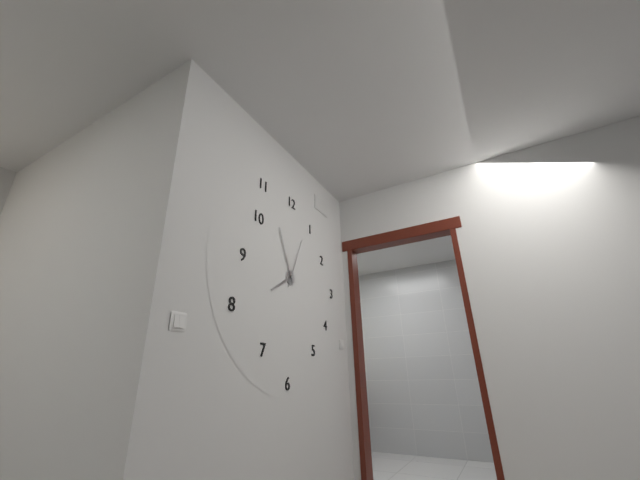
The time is **7:56**
